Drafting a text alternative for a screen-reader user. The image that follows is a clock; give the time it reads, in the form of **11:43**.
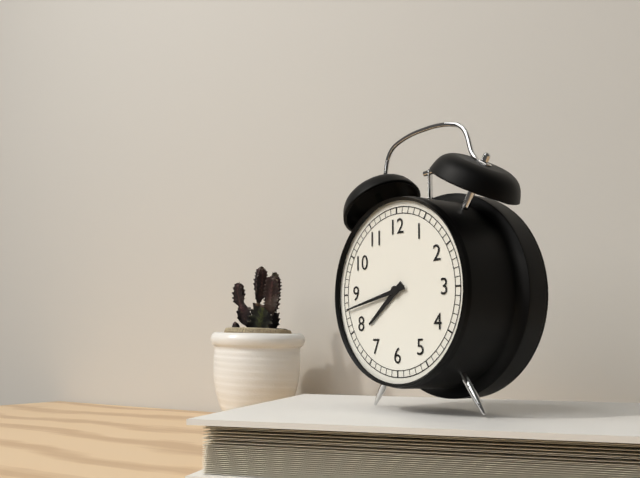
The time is **7:43**
